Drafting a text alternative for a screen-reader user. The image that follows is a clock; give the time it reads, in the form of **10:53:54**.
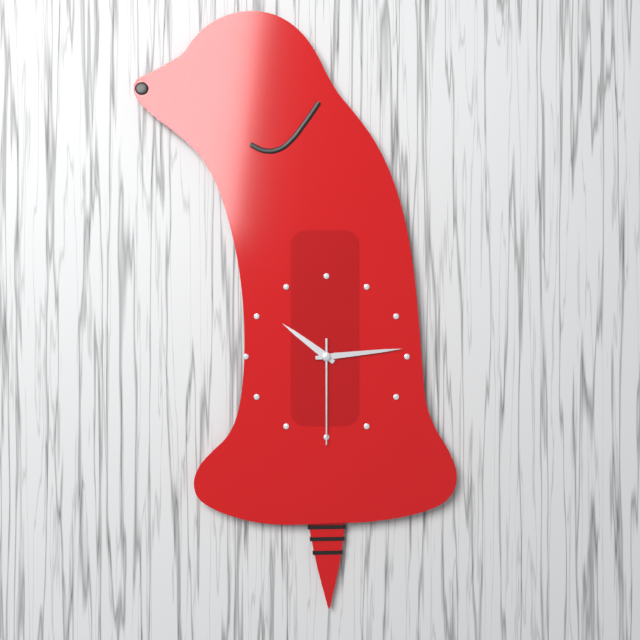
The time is **10:14:30**
